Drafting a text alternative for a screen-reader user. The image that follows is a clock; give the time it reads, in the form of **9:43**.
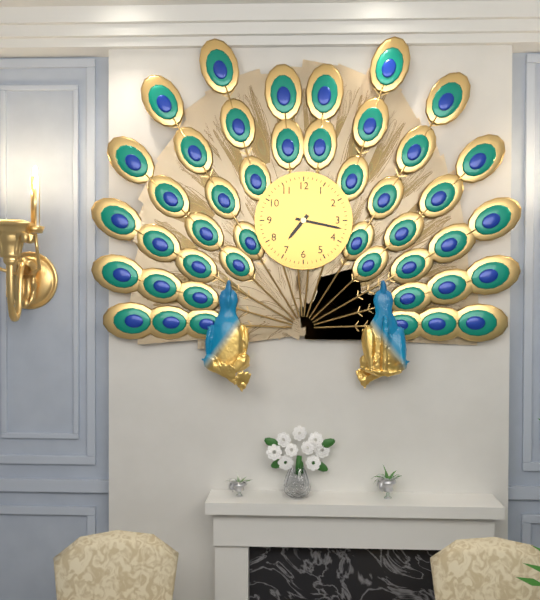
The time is **7:17**
